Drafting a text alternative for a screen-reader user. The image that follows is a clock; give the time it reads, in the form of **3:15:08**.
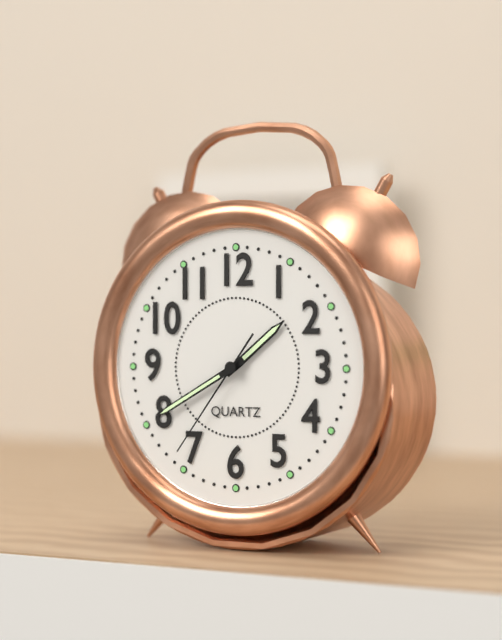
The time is **1:40:36**
